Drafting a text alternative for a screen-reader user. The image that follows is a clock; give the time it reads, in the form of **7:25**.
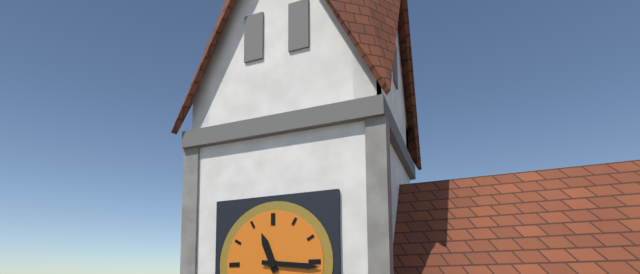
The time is **11:16**
